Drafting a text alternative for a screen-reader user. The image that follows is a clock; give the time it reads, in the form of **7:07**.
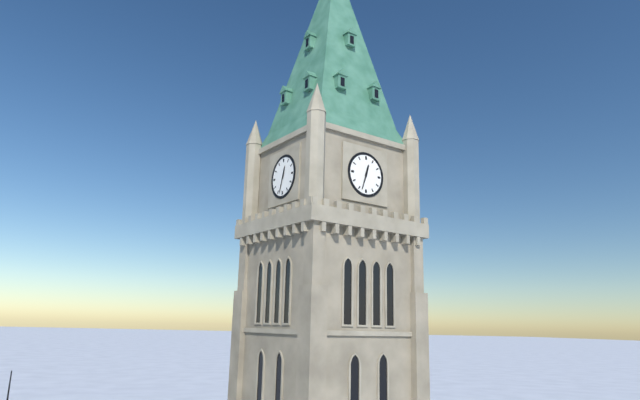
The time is **12:33**
